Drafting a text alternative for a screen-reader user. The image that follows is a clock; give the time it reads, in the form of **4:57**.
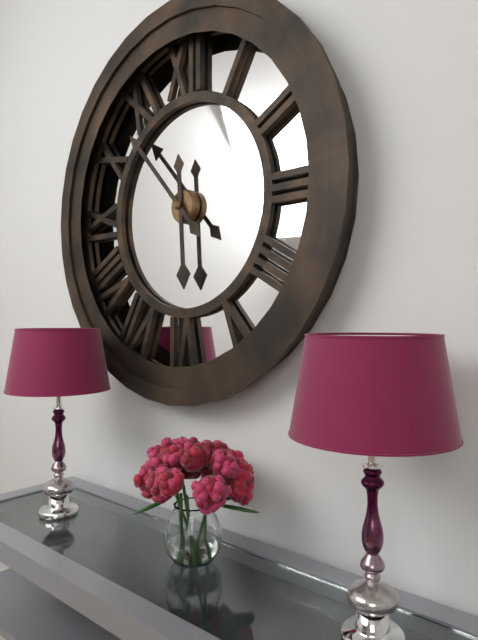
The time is **5:53**
